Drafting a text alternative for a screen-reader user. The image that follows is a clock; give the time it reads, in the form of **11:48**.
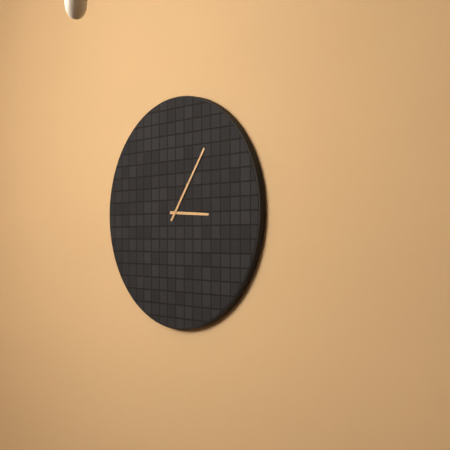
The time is **3:06**
